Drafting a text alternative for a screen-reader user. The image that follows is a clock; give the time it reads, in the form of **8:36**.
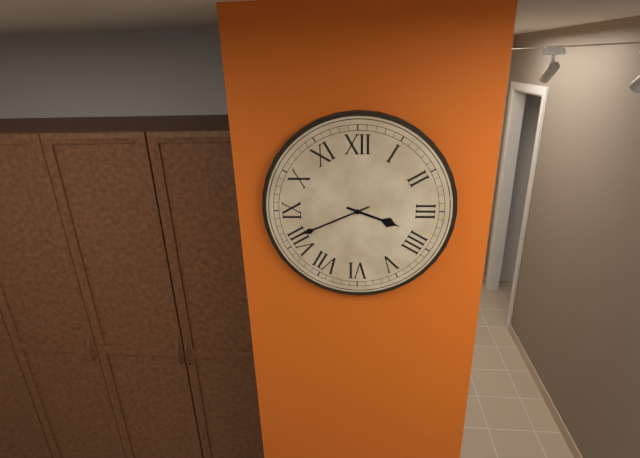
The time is **3:41**
